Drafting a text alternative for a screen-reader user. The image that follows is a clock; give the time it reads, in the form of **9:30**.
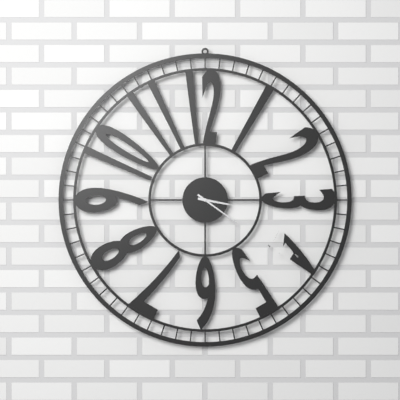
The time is **3:21**
